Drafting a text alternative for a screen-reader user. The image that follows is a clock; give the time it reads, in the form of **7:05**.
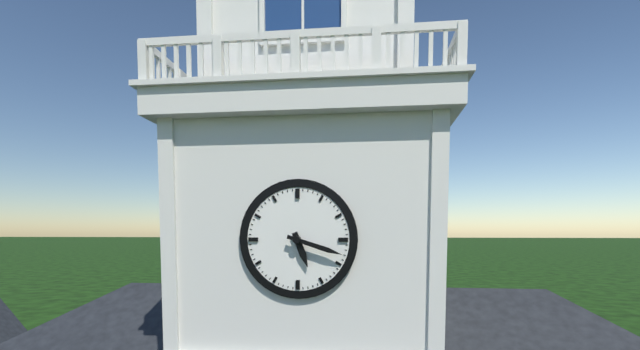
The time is **5:18**
